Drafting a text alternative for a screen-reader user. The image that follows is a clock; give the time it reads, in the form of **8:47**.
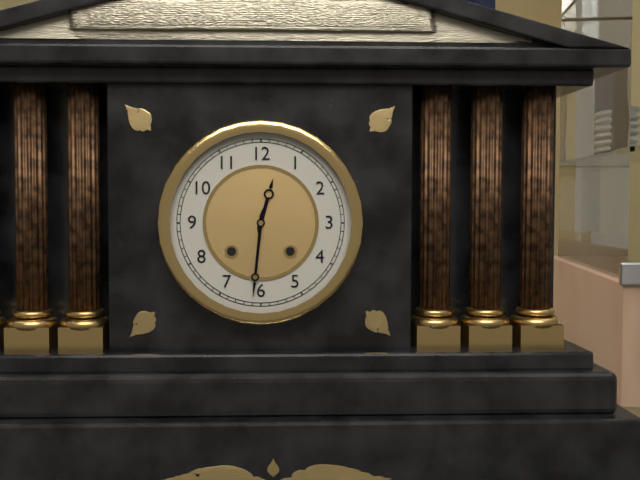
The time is **12:31**
